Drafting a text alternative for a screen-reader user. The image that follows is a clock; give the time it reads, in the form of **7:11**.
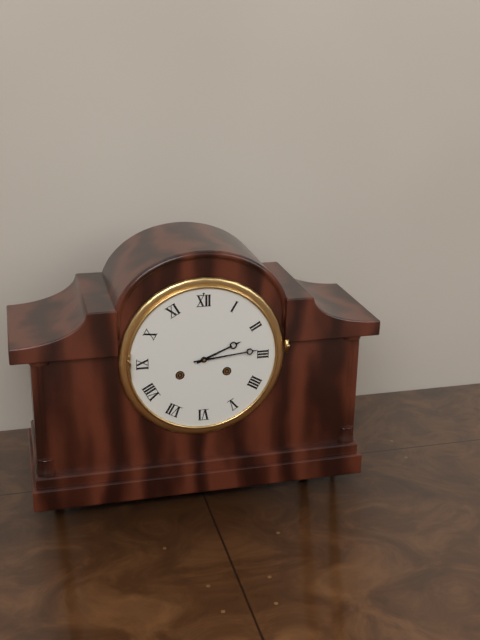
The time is **2:14**
